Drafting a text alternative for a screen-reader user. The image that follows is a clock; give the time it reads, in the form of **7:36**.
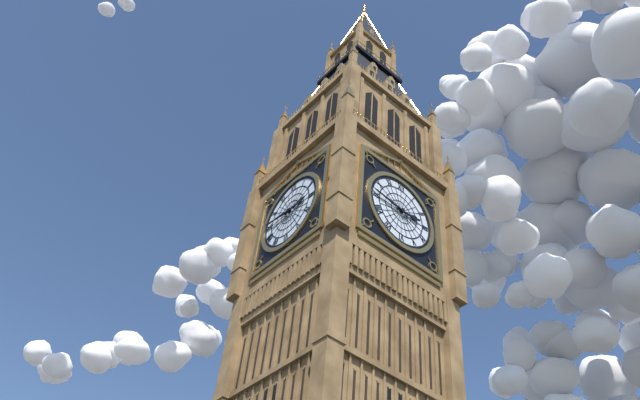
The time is **2:46**
